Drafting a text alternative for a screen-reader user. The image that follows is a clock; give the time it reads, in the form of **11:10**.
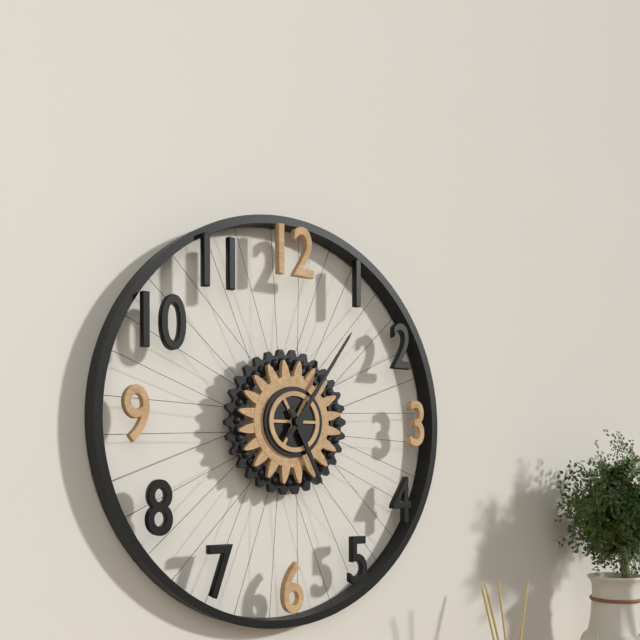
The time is **5:06**
